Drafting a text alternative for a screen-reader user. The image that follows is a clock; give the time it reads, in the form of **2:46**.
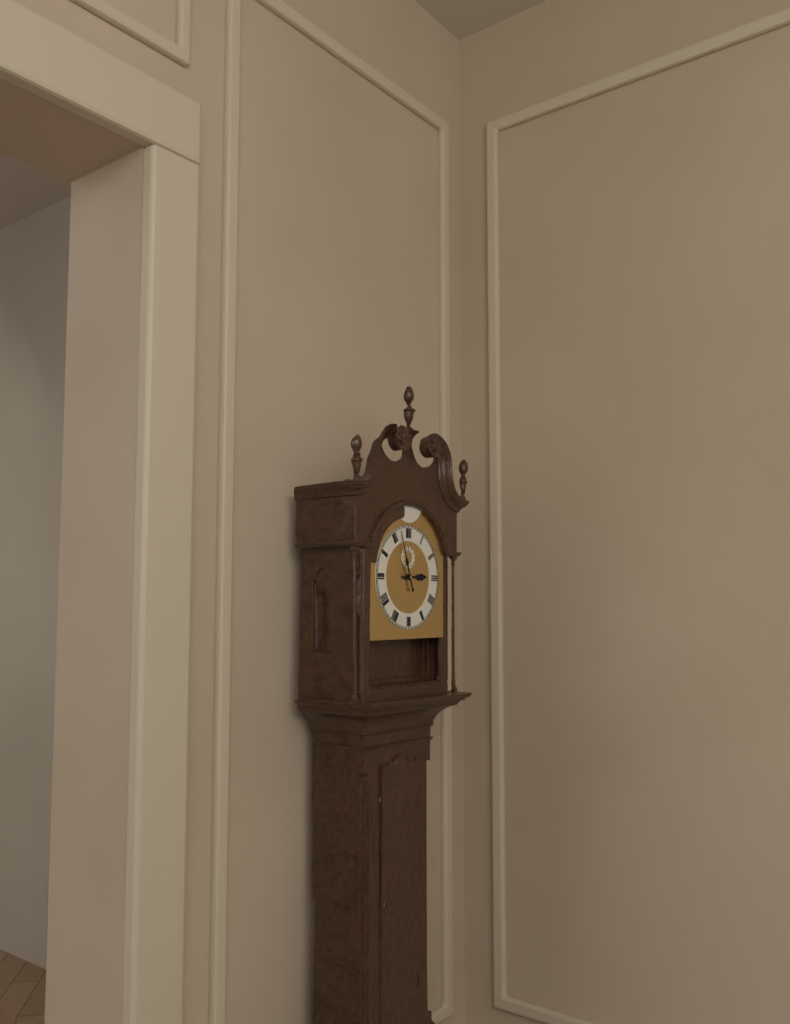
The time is **2:57**
